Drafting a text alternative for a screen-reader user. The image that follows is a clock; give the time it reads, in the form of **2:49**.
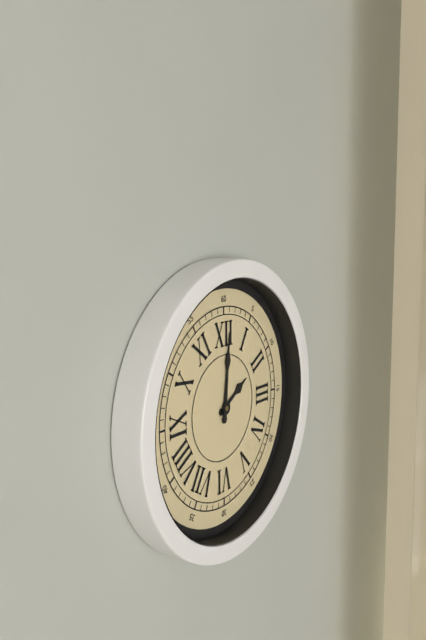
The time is **2:01**
